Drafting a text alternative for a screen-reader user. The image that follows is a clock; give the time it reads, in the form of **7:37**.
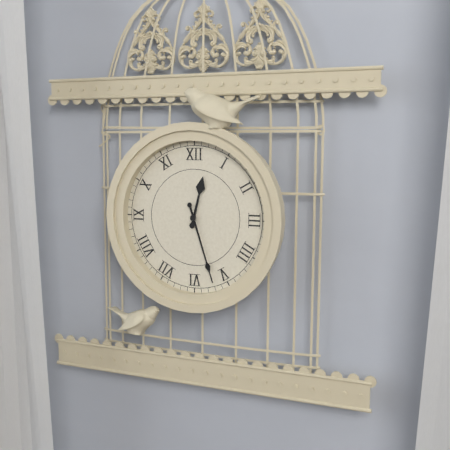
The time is **12:27**
